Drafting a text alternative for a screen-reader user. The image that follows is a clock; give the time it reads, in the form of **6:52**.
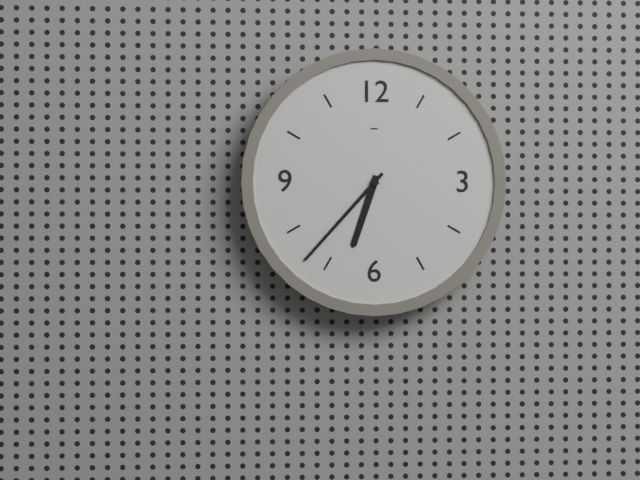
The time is **6:37**
